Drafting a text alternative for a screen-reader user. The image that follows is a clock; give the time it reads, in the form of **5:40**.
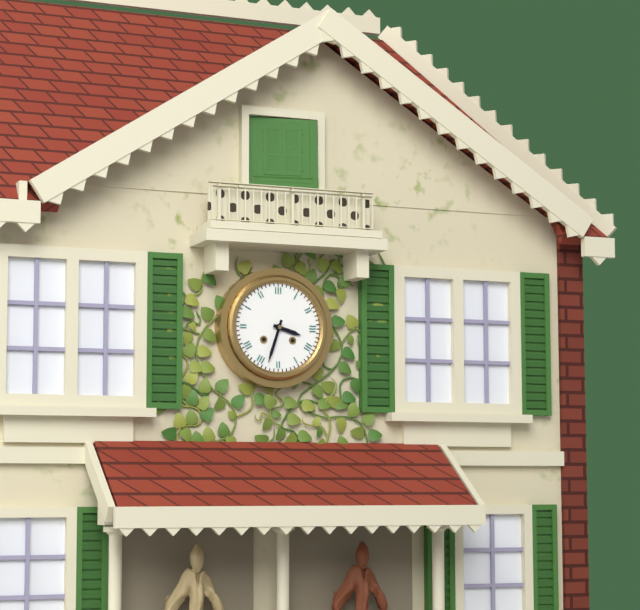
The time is **3:33**
